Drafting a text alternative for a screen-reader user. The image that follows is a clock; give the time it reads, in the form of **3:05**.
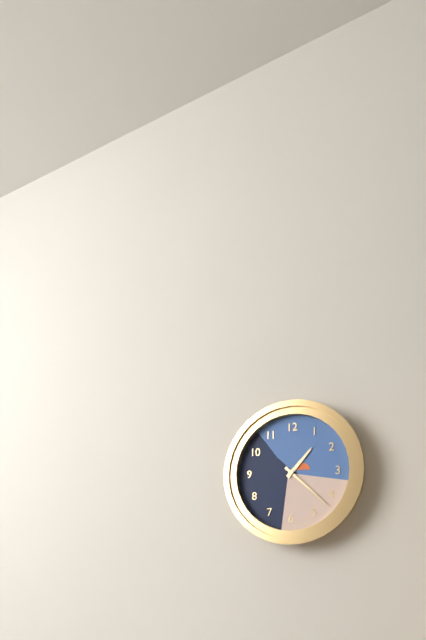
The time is **1:22**
